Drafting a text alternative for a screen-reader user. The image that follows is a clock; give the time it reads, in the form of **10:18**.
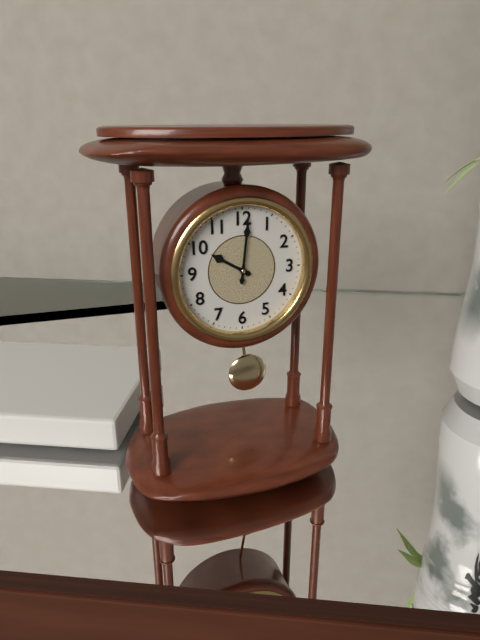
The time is **10:01**
